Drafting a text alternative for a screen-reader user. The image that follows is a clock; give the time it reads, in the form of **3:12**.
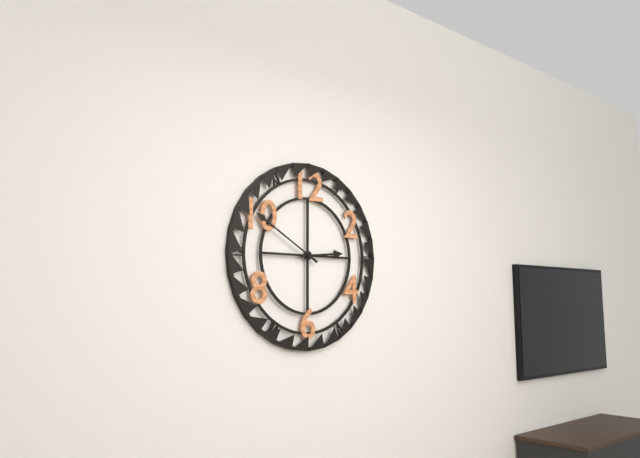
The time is **2:50**
